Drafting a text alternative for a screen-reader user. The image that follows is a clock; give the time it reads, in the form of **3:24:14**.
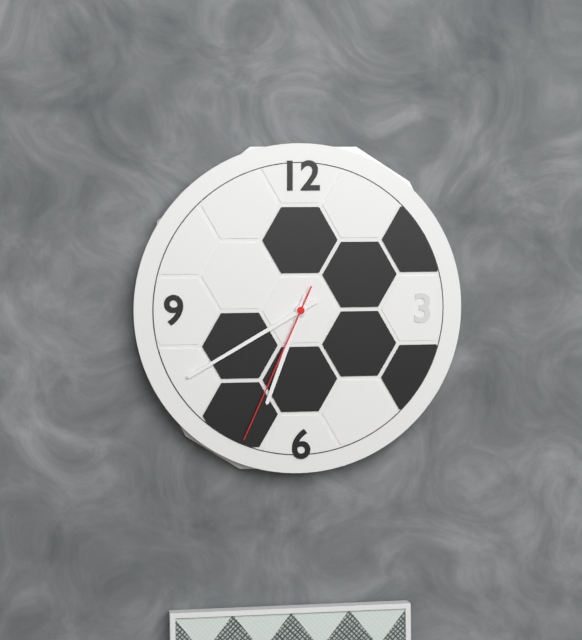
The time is **6:40:34**
